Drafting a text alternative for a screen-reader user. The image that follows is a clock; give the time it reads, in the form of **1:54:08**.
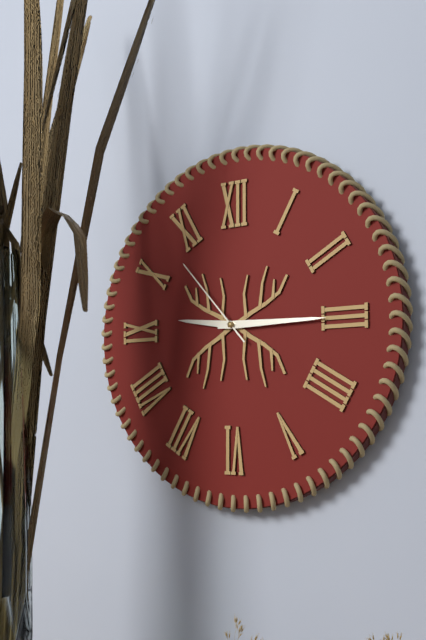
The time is **9:15:53**
